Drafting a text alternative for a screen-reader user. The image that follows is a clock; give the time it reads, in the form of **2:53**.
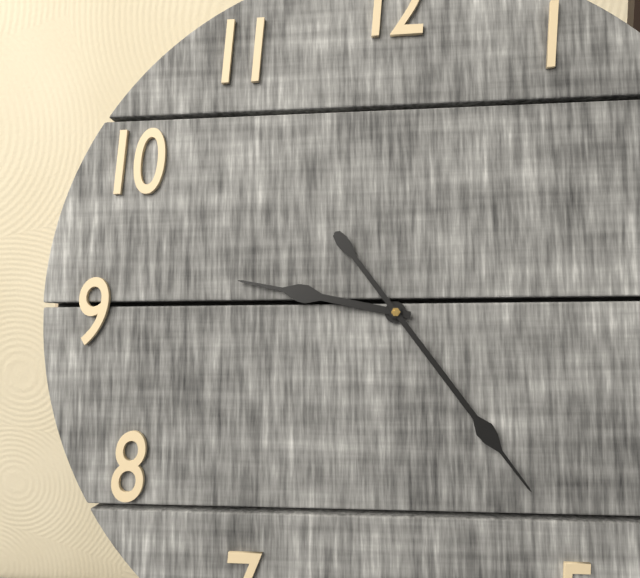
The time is **9:24**
